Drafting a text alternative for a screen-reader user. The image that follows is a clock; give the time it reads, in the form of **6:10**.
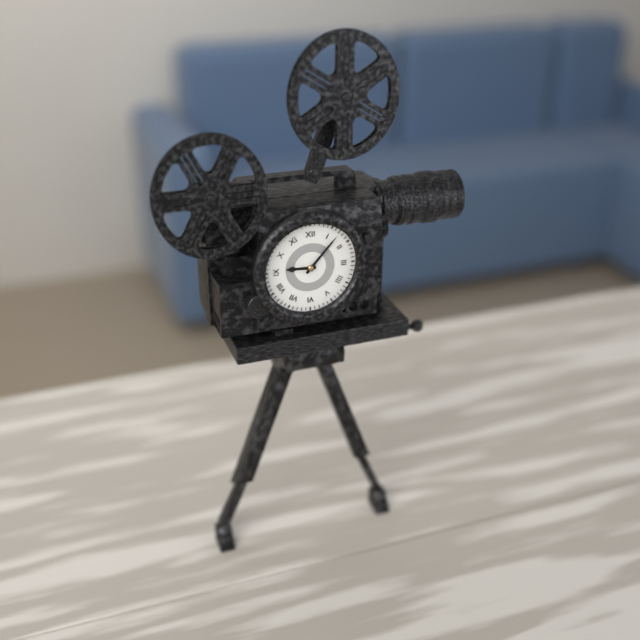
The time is **9:07**
